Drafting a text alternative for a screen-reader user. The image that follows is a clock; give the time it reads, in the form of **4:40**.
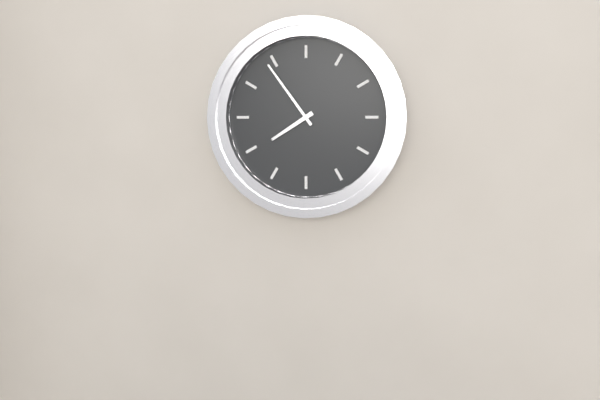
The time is **7:54**
